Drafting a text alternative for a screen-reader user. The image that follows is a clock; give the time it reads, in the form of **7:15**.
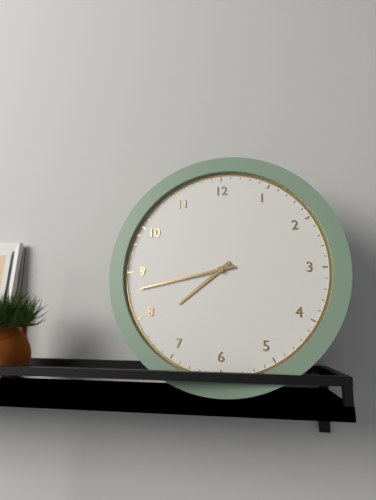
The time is **7:43**
